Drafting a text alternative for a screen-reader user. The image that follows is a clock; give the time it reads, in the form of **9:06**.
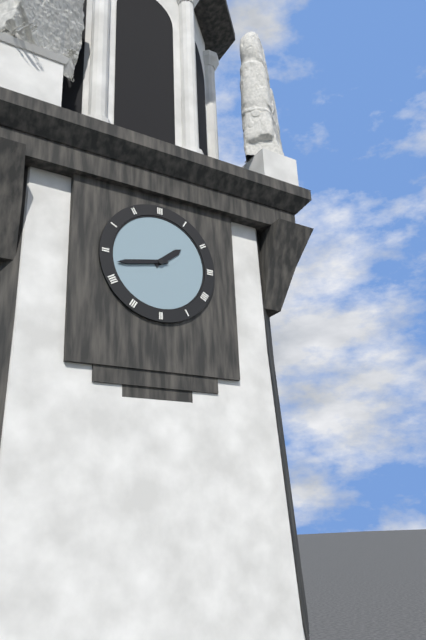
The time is **1:43**
